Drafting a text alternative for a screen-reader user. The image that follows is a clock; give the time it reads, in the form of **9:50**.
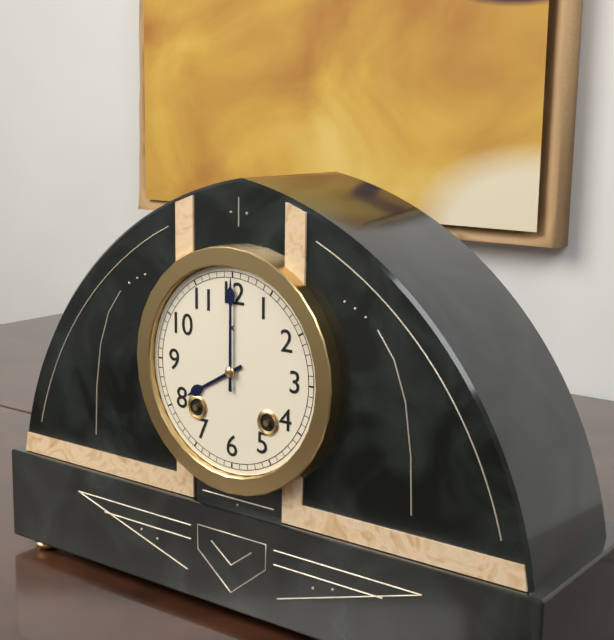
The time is **8:00**
